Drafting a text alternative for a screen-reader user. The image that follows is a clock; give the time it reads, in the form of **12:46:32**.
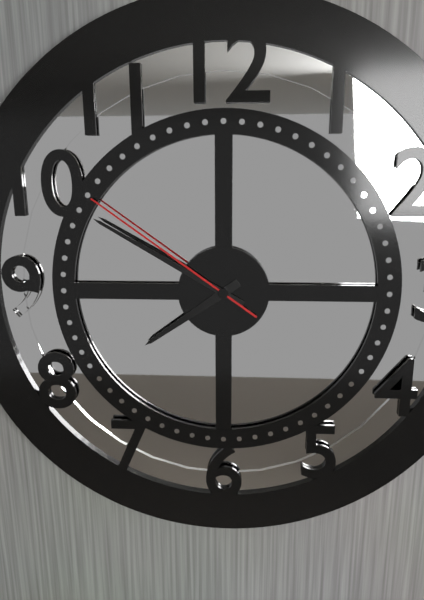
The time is **7:50:51**
